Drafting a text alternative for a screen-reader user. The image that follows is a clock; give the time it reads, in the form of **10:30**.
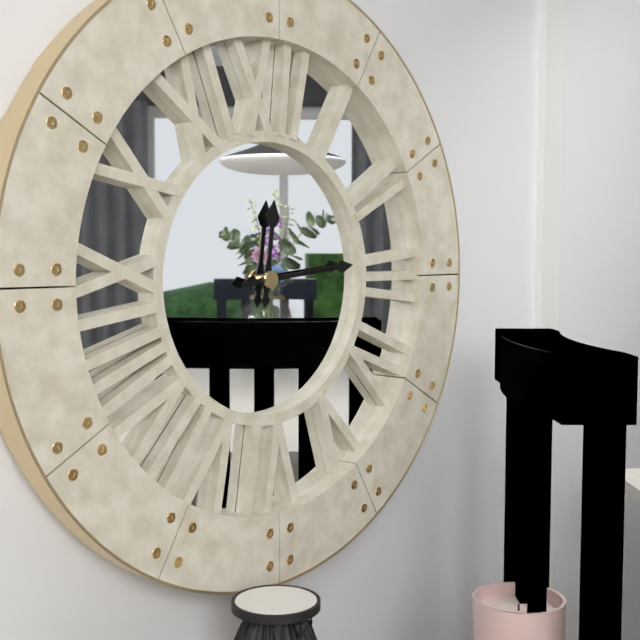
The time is **12:14**
